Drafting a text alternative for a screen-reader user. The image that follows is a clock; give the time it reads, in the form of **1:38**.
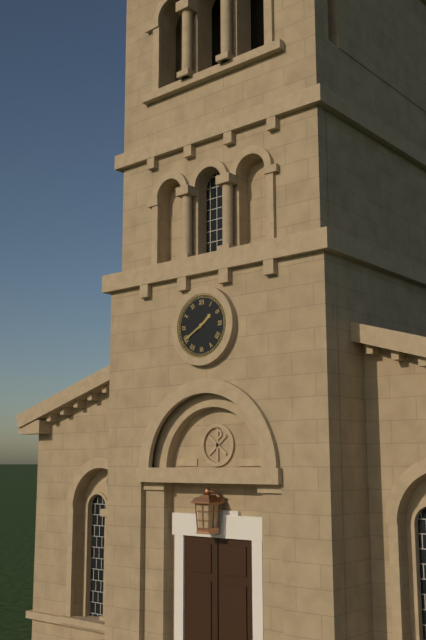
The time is **1:40**
